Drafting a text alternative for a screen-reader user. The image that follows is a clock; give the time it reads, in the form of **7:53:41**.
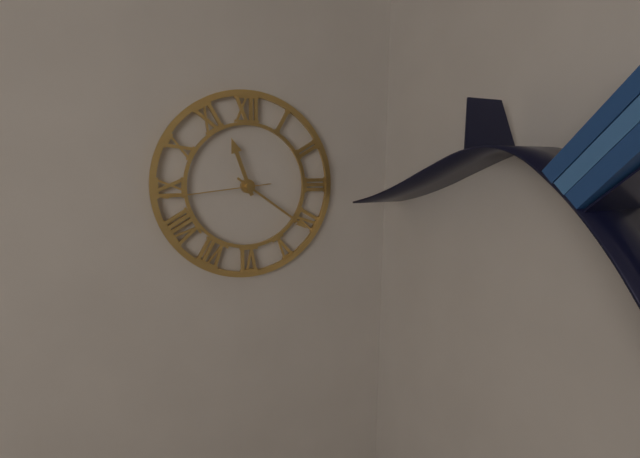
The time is **11:21:44**
